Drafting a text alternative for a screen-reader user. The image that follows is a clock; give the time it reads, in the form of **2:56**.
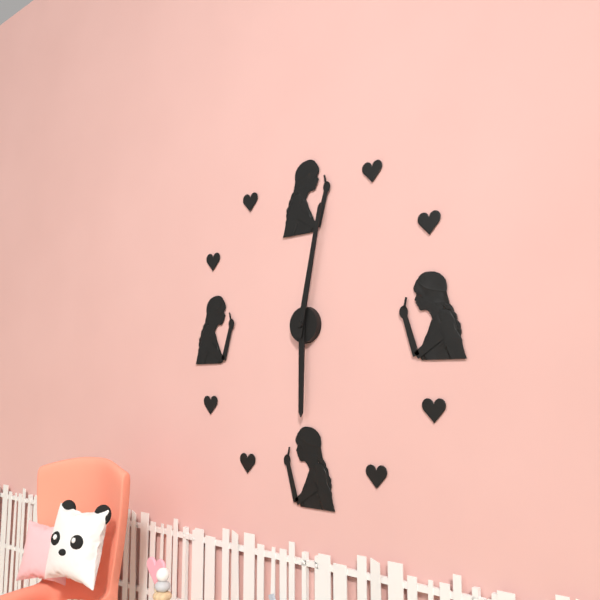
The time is **6:02**
